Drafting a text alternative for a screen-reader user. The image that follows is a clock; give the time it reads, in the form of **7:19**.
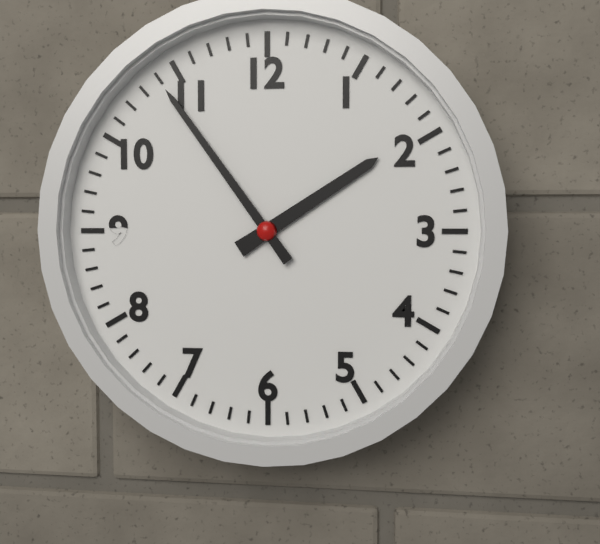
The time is **1:54**
